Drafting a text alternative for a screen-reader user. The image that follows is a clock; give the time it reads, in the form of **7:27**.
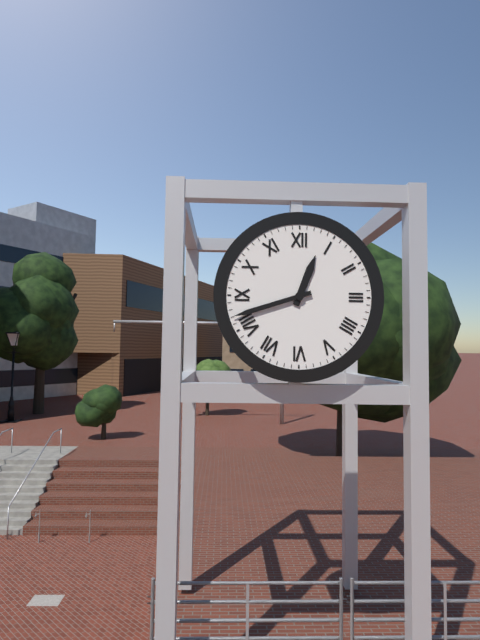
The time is **12:42**
